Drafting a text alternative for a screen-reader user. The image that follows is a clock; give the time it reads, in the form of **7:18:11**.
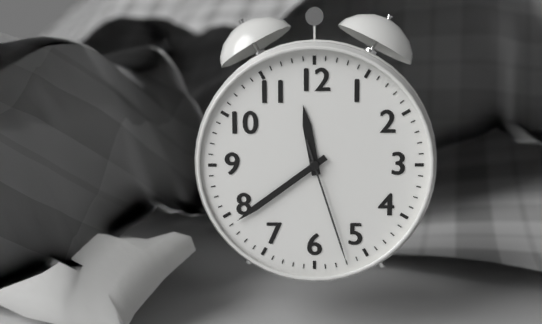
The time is **11:39:27**
